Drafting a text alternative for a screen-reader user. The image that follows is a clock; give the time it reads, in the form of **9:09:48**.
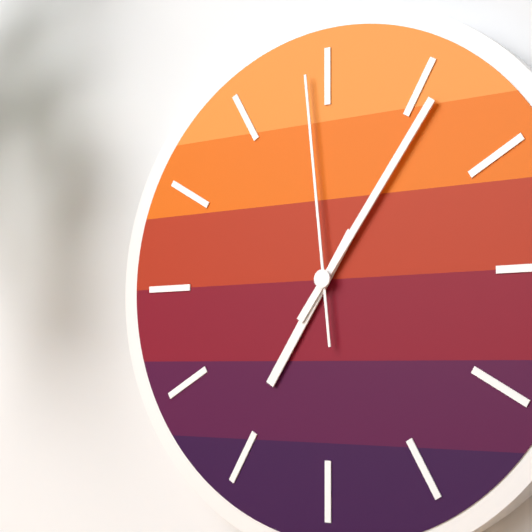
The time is **7:06:59**
